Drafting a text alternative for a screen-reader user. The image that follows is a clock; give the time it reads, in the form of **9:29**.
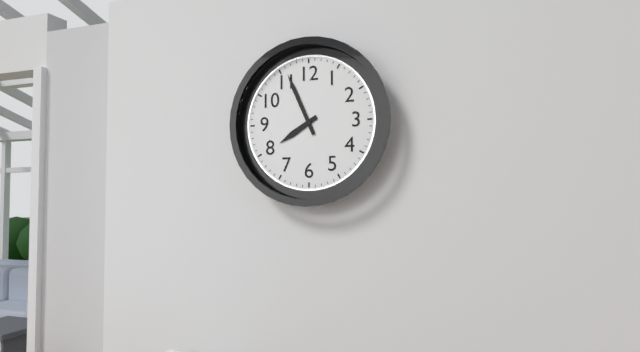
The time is **7:56**
